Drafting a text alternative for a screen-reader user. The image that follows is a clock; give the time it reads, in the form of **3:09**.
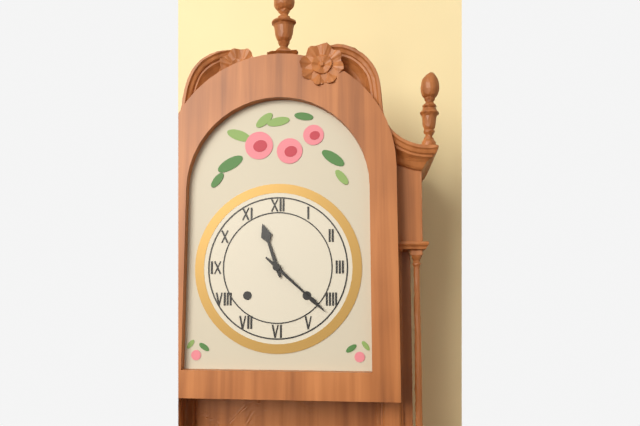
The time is **11:22**
